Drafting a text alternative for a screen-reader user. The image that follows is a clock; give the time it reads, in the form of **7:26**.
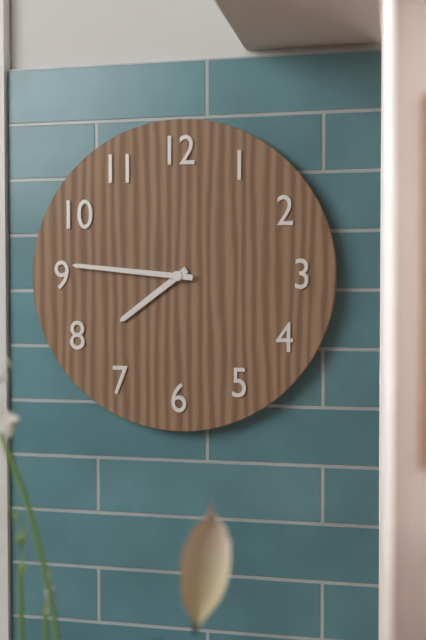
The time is **7:46**
